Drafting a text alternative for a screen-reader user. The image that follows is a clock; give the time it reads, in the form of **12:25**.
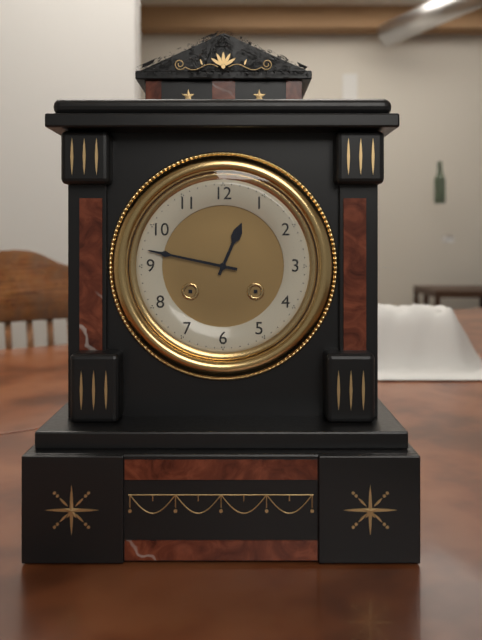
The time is **12:47**
